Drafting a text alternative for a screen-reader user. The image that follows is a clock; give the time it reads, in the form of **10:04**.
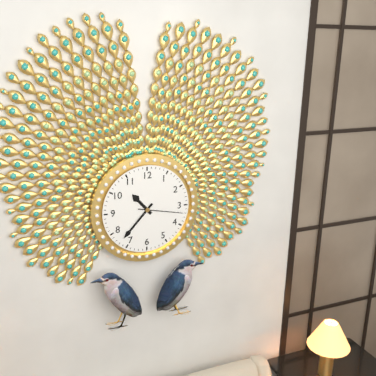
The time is **10:37**
